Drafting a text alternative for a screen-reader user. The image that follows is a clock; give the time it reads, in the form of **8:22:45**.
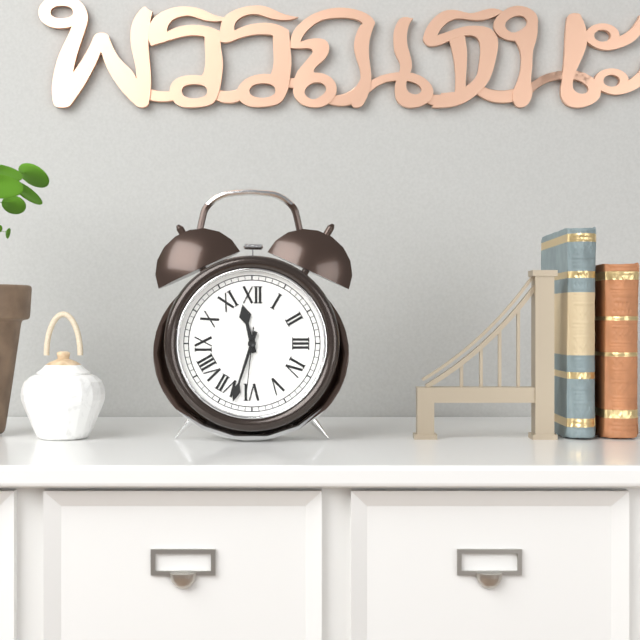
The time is **11:33:31**
